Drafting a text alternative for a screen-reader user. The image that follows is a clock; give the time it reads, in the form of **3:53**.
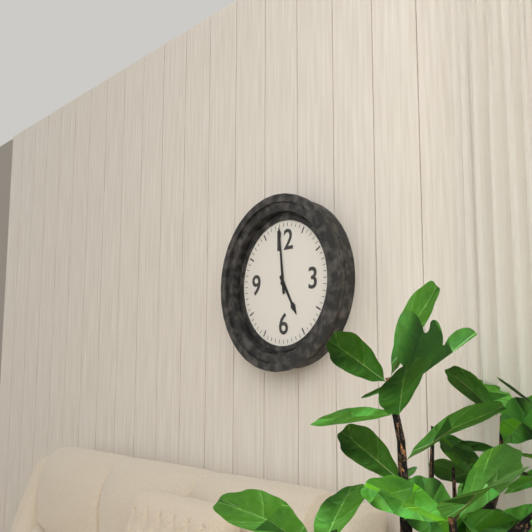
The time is **4:59**
